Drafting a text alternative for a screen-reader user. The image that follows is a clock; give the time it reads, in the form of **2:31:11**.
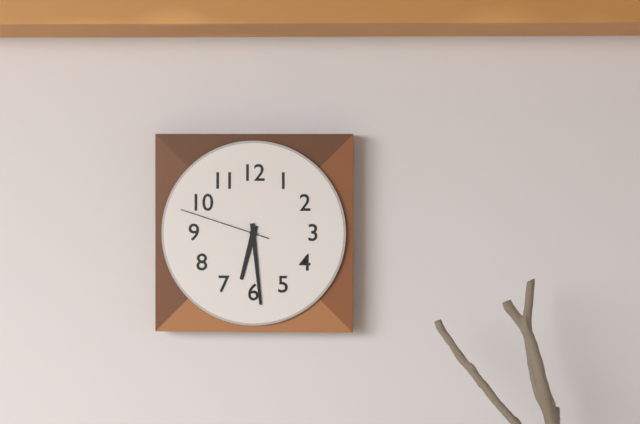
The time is **6:29:48**
